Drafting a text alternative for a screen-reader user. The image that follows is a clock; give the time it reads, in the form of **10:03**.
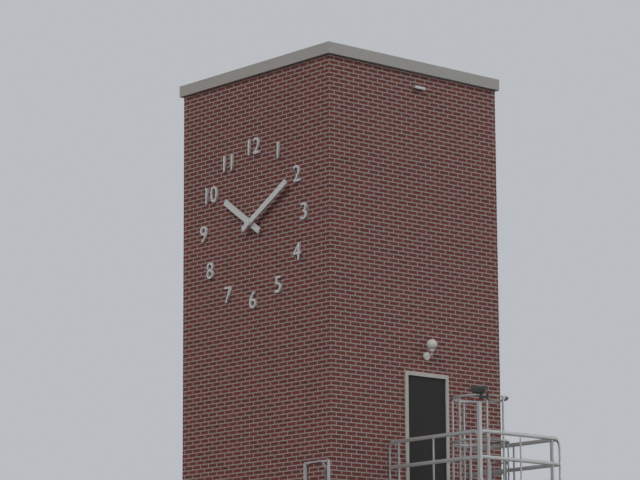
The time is **10:10**
